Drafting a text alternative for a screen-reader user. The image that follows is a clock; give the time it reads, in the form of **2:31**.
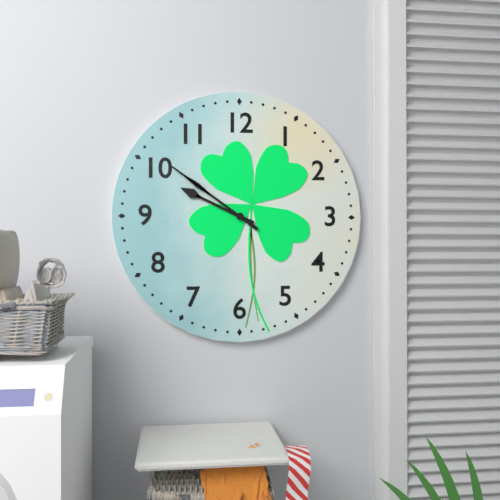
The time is **9:51**
